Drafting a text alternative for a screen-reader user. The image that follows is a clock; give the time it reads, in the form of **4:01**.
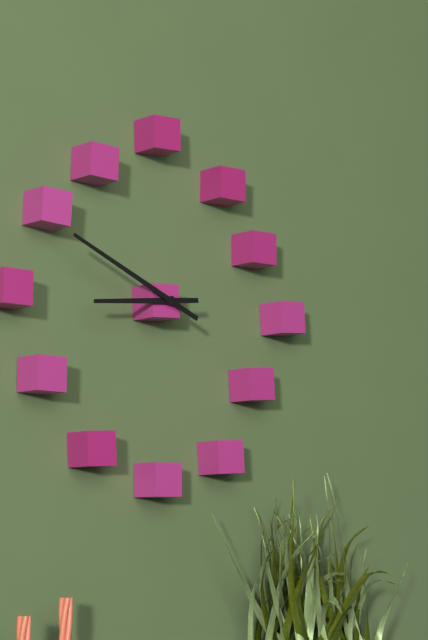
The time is **8:49**
